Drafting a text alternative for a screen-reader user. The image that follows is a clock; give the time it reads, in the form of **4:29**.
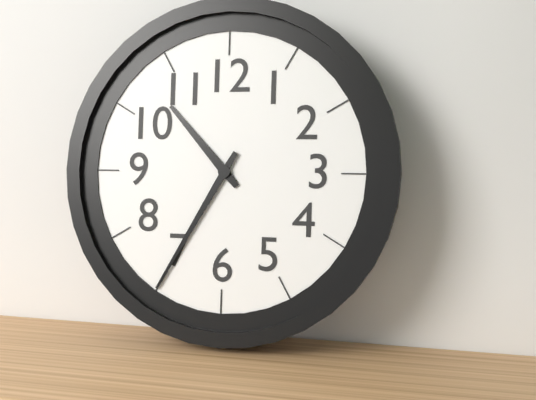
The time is **10:35**
